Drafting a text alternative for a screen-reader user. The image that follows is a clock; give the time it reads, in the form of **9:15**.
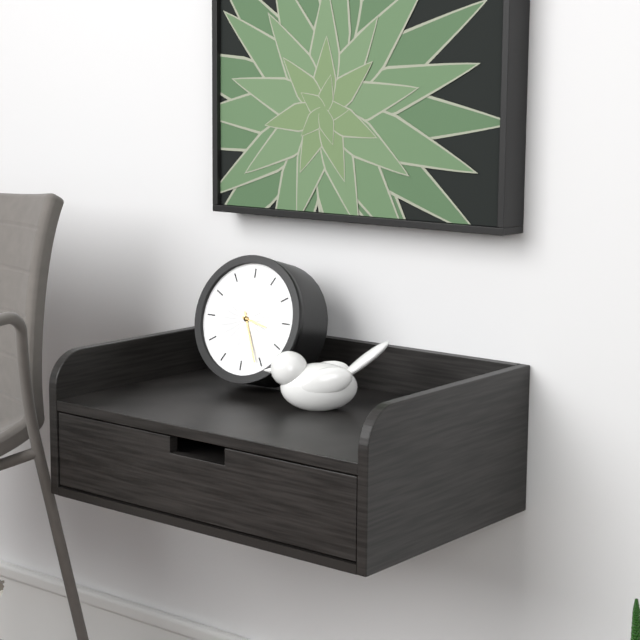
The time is **3:26**
